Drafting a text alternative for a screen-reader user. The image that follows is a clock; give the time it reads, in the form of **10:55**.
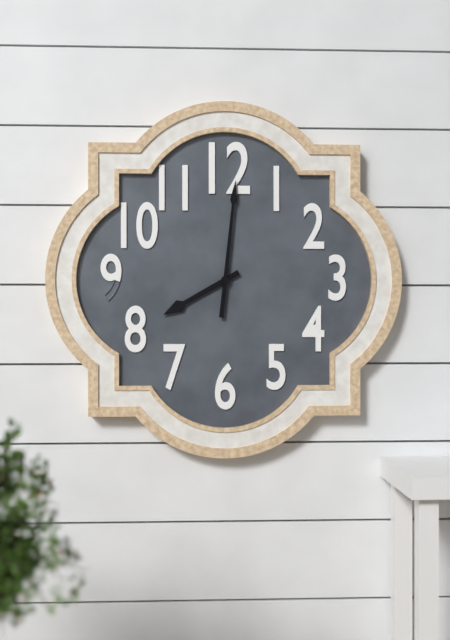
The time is **8:01**
